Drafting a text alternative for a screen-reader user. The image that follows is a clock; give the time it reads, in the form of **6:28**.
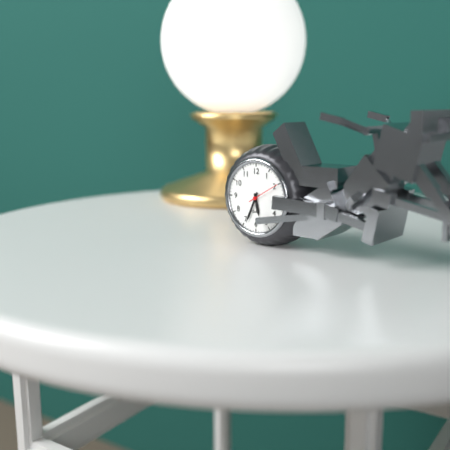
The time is **5:34**
